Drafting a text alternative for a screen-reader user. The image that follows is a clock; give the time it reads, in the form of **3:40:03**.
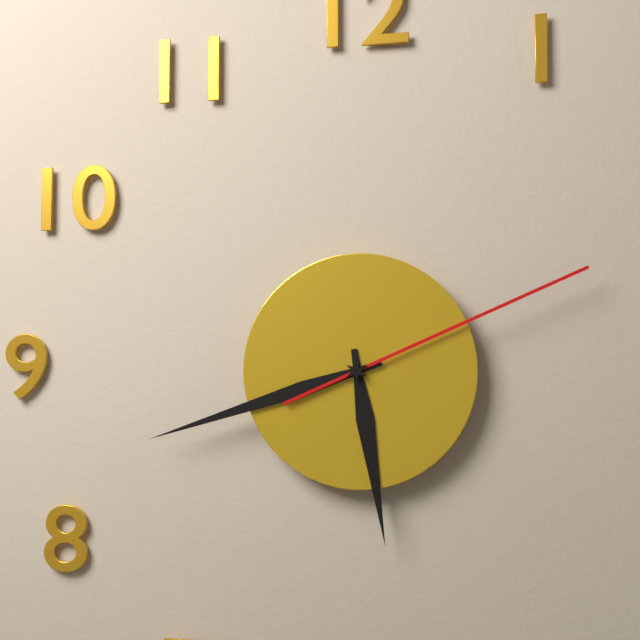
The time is **5:42:11**
